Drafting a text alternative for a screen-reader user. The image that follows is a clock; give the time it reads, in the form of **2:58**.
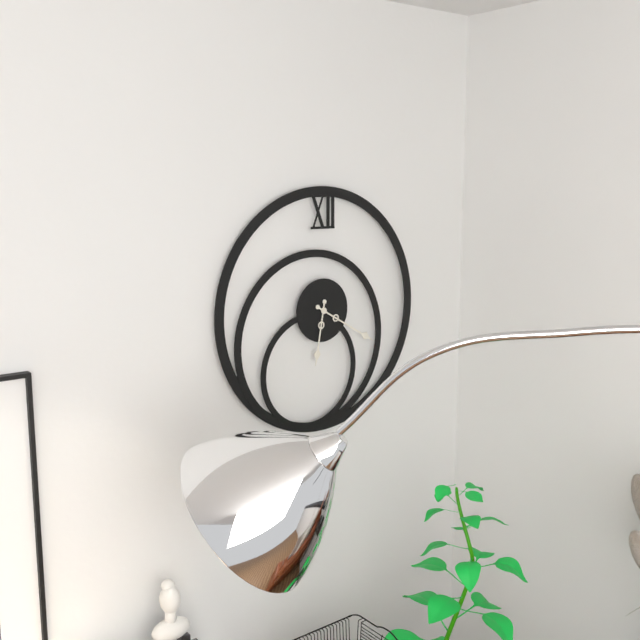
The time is **6:20**
